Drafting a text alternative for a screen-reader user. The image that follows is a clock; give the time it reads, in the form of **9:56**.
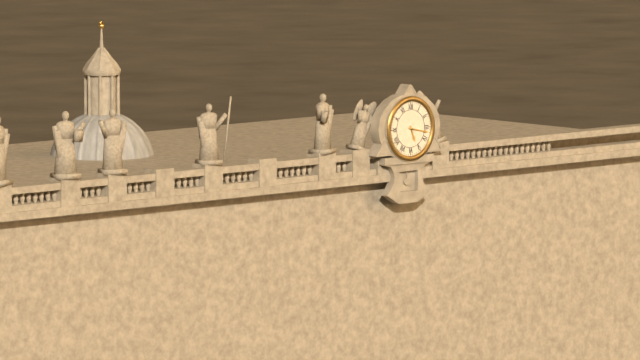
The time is **5:17**
